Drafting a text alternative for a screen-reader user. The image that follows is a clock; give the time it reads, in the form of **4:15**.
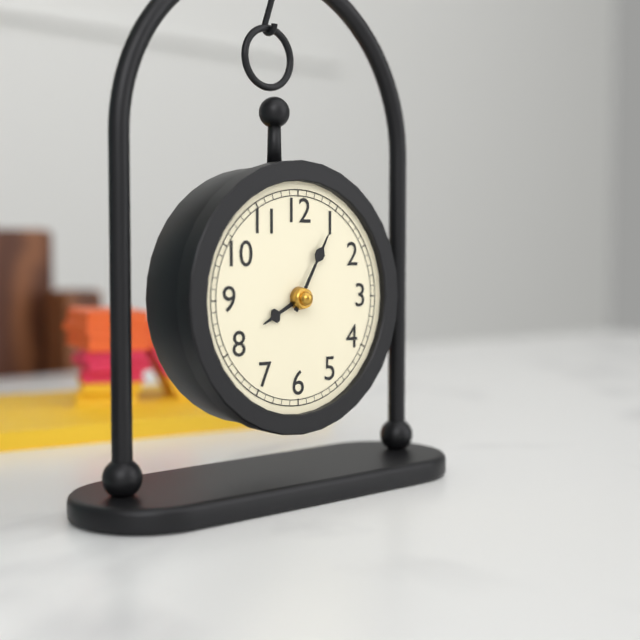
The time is **8:05**
